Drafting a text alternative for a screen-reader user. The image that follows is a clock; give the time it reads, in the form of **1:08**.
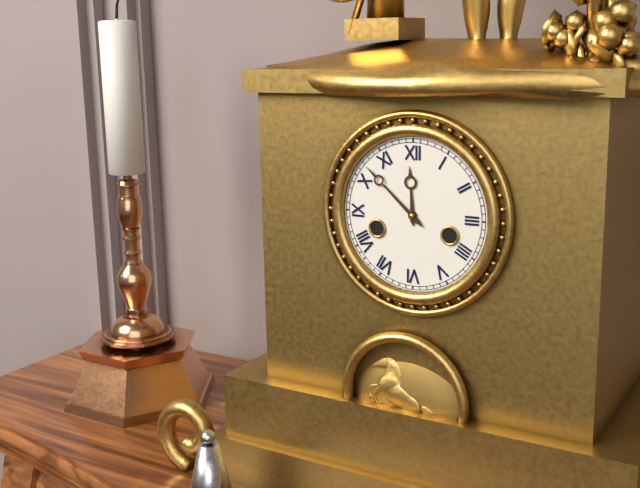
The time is **11:52**
